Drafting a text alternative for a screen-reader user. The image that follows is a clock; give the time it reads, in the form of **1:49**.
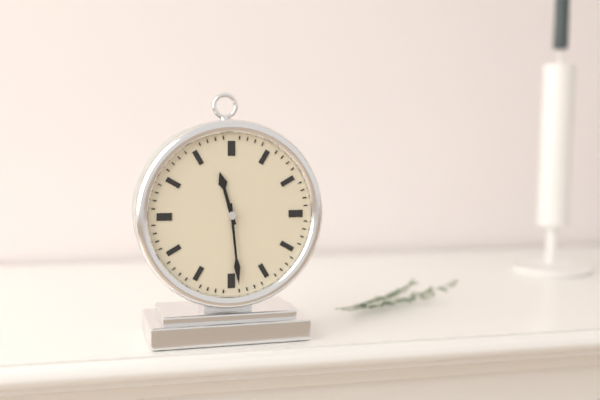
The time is **11:29**
